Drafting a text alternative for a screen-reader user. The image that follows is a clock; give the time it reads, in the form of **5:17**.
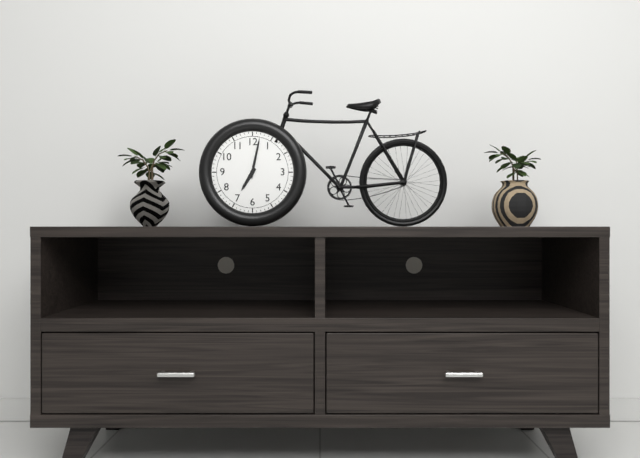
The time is **7:02**
